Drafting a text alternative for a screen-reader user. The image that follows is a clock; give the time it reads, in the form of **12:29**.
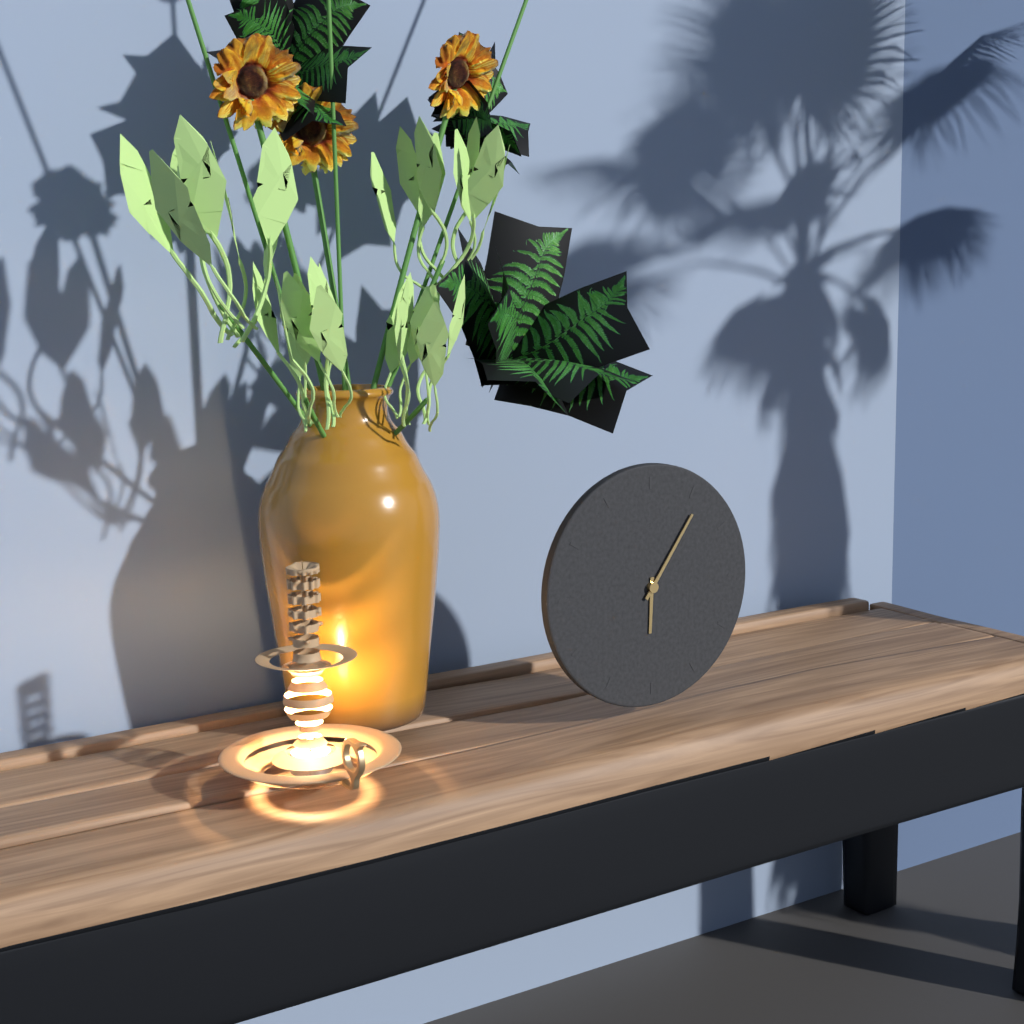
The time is **6:06**
